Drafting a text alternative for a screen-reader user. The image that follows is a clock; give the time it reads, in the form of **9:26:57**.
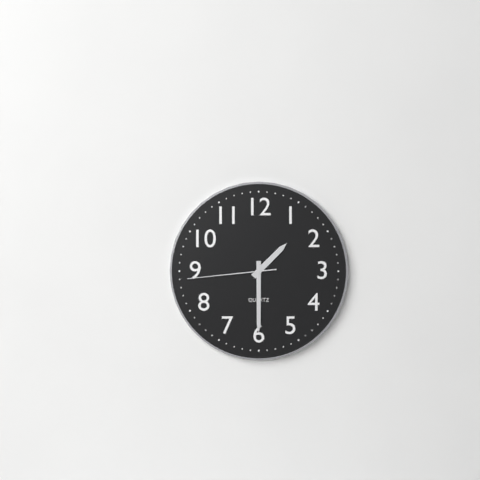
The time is **1:30:44**
